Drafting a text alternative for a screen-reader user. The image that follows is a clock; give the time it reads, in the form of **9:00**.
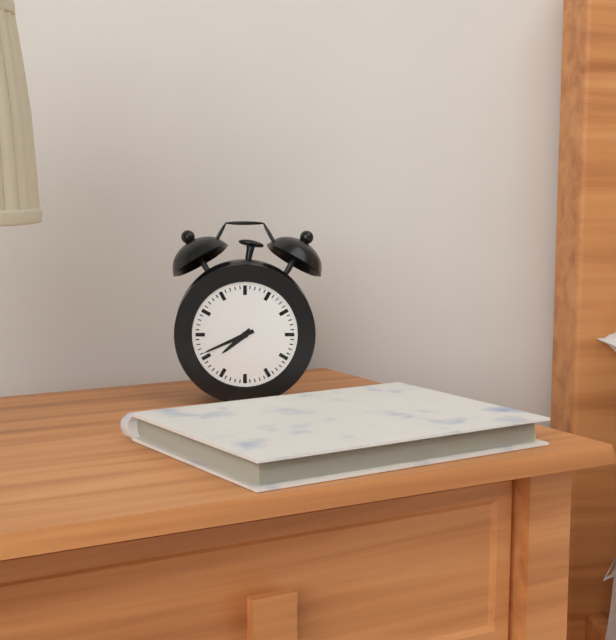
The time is **7:41**
